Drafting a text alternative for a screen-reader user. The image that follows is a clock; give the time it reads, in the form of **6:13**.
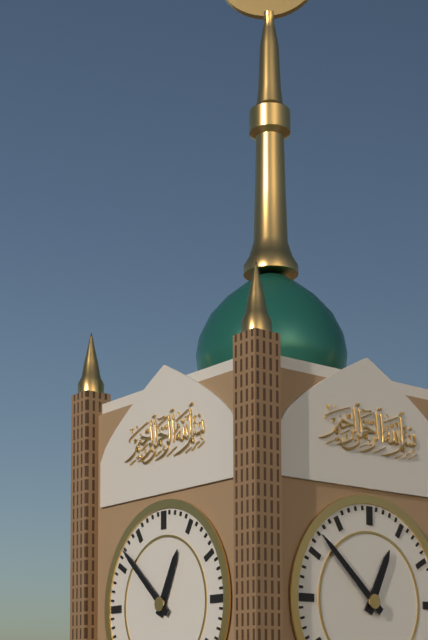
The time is **12:52**
